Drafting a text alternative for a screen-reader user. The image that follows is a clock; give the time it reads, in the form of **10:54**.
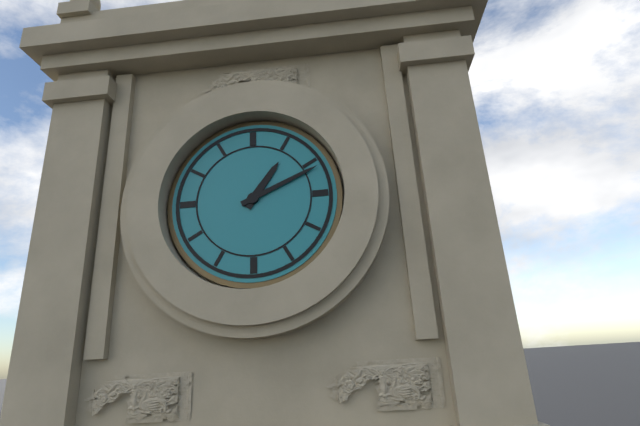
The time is **1:11**
